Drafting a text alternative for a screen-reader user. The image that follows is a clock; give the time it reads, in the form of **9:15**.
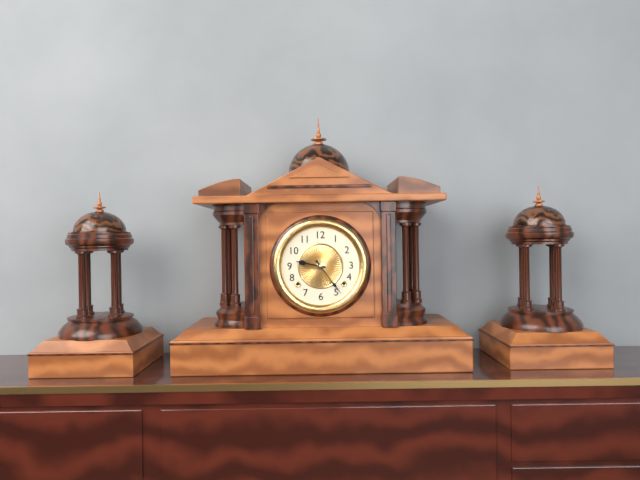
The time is **9:24**
